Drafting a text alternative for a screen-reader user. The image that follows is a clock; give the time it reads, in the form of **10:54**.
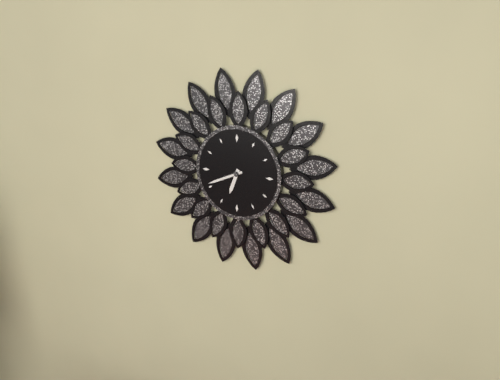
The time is **6:41**
